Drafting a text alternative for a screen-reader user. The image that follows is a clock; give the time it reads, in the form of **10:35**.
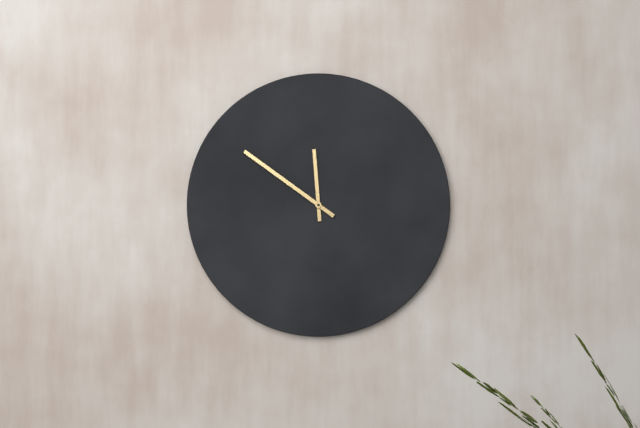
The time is **11:51**
